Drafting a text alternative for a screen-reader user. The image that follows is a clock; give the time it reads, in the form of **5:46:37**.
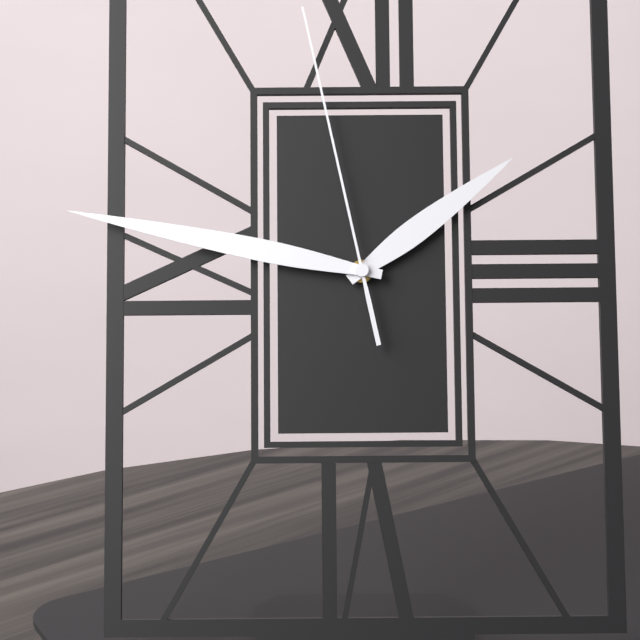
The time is **1:47:58**
